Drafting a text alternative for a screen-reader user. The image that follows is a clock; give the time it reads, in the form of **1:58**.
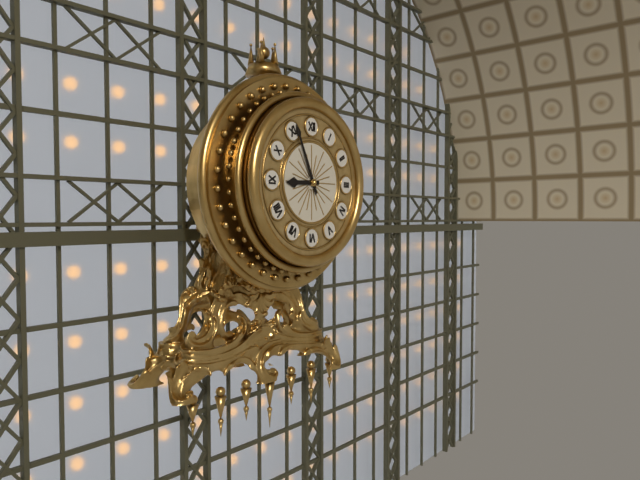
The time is **8:56**
